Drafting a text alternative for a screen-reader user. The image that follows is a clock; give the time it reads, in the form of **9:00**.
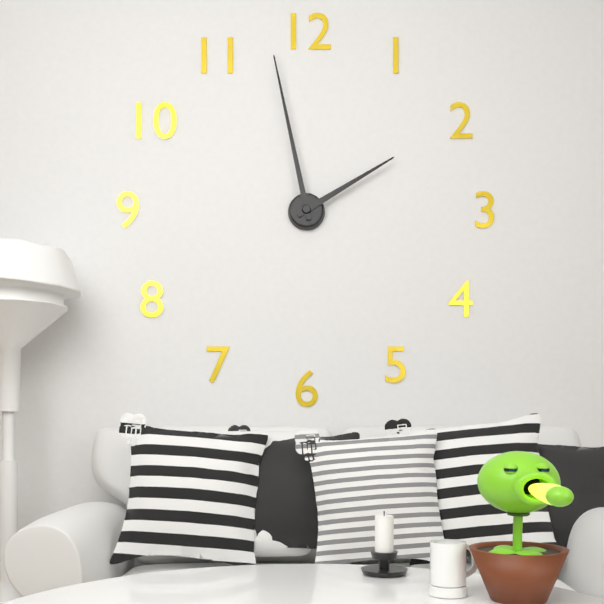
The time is **1:58**
